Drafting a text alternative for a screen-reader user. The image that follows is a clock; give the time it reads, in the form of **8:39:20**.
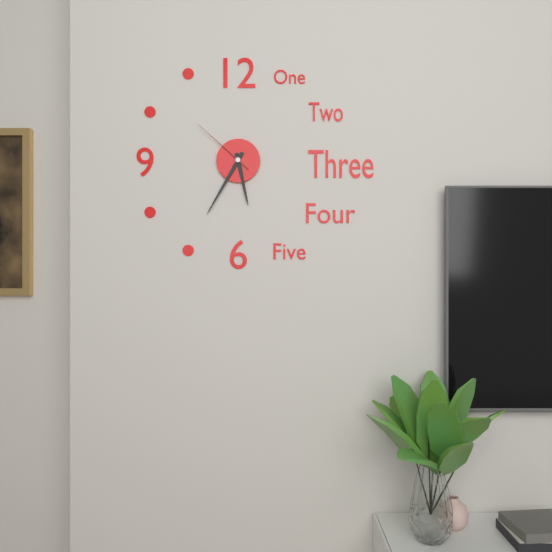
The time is **5:35:52**
